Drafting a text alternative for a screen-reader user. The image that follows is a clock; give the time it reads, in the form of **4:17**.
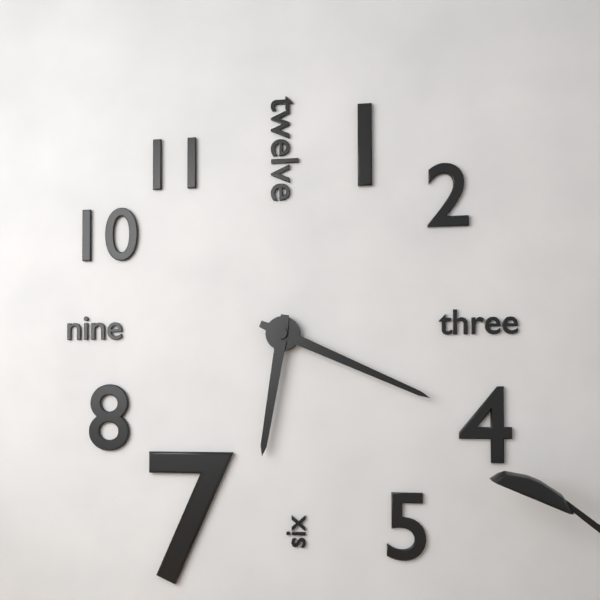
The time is **6:19**
